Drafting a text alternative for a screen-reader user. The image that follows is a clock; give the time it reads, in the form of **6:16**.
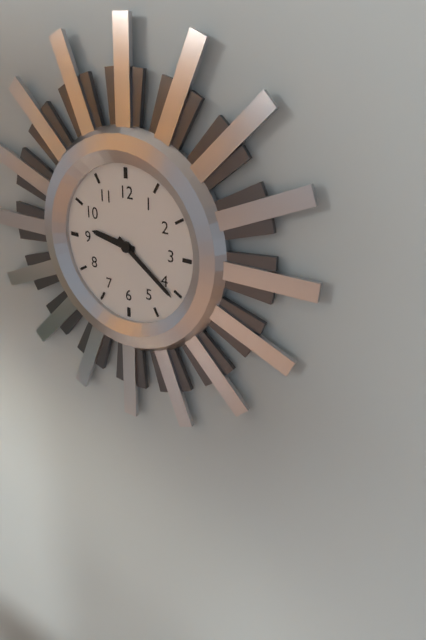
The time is **9:21**
